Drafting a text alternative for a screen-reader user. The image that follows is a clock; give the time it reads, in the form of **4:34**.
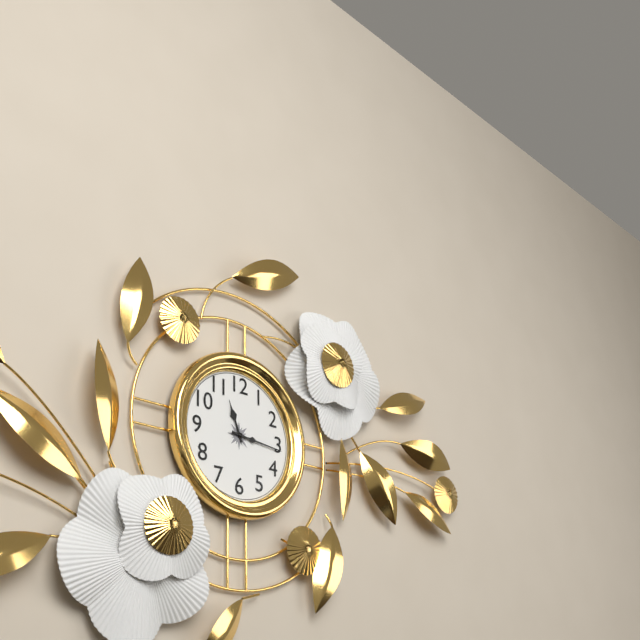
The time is **11:16**
